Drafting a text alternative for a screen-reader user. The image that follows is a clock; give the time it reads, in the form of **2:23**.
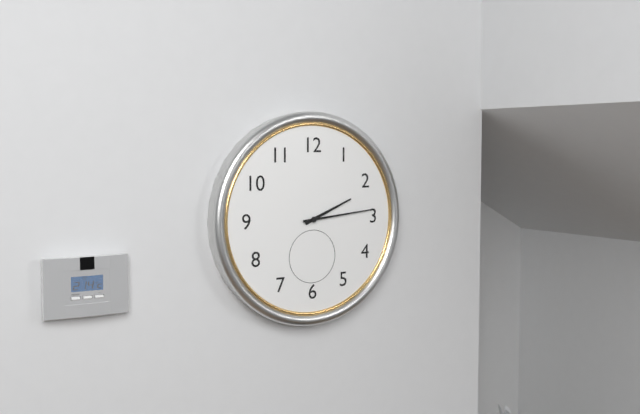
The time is **2:14**
